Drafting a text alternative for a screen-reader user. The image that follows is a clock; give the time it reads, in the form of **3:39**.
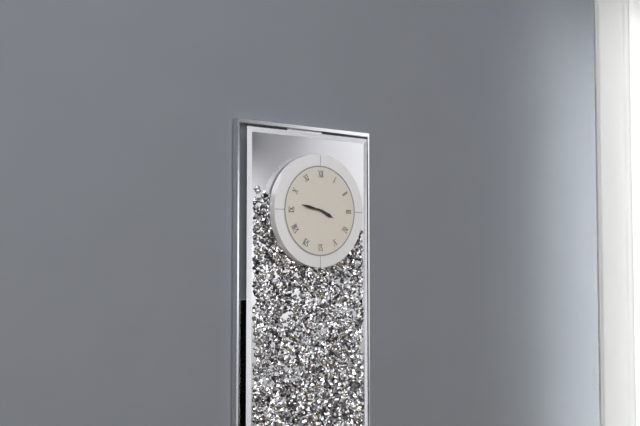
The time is **3:47**
